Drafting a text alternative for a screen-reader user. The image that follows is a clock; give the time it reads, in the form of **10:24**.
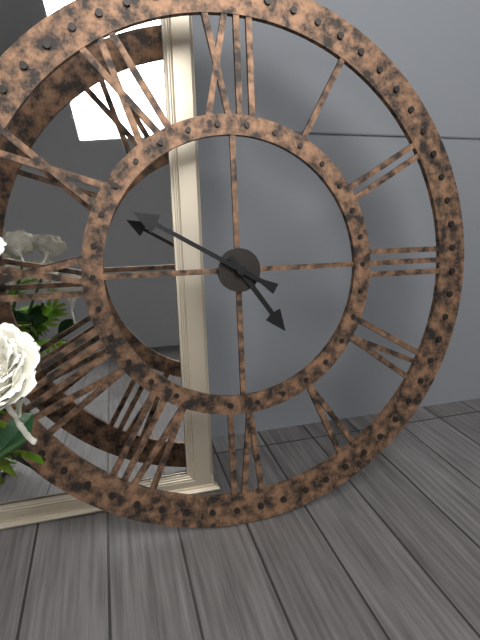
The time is **4:50**
